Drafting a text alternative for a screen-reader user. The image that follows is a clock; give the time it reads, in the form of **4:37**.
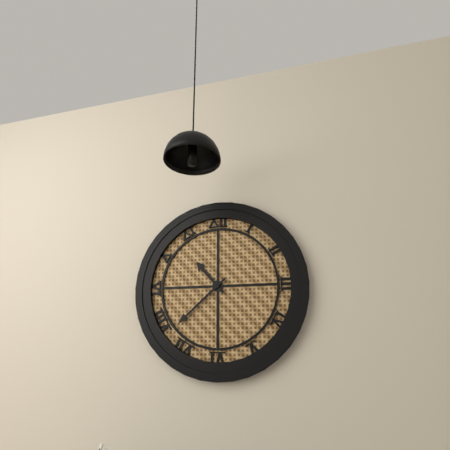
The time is **10:38**
